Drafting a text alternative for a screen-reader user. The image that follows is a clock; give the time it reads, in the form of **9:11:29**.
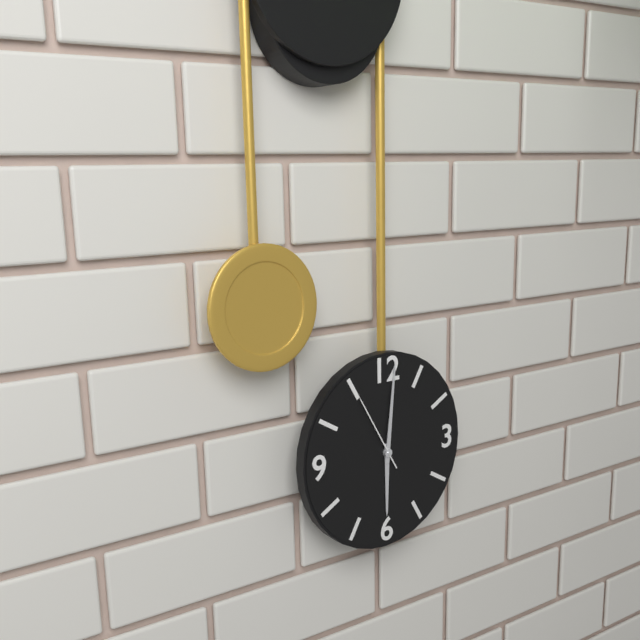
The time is **6:01:55**
